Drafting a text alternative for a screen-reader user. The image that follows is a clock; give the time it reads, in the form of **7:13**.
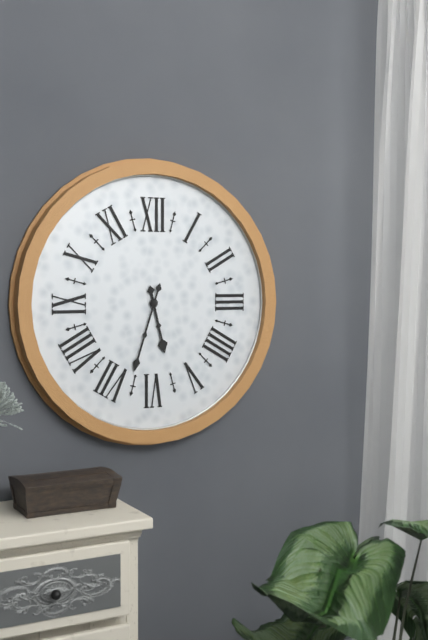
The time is **5:33**
